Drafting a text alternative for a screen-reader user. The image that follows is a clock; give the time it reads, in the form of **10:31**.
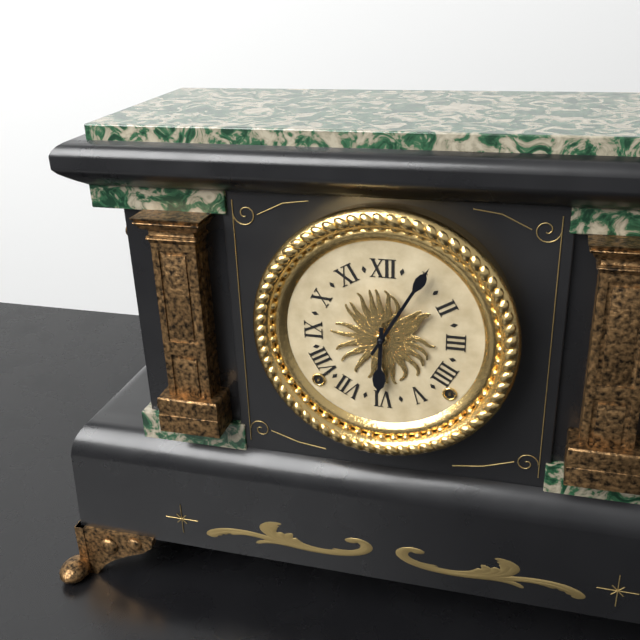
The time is **6:05**
